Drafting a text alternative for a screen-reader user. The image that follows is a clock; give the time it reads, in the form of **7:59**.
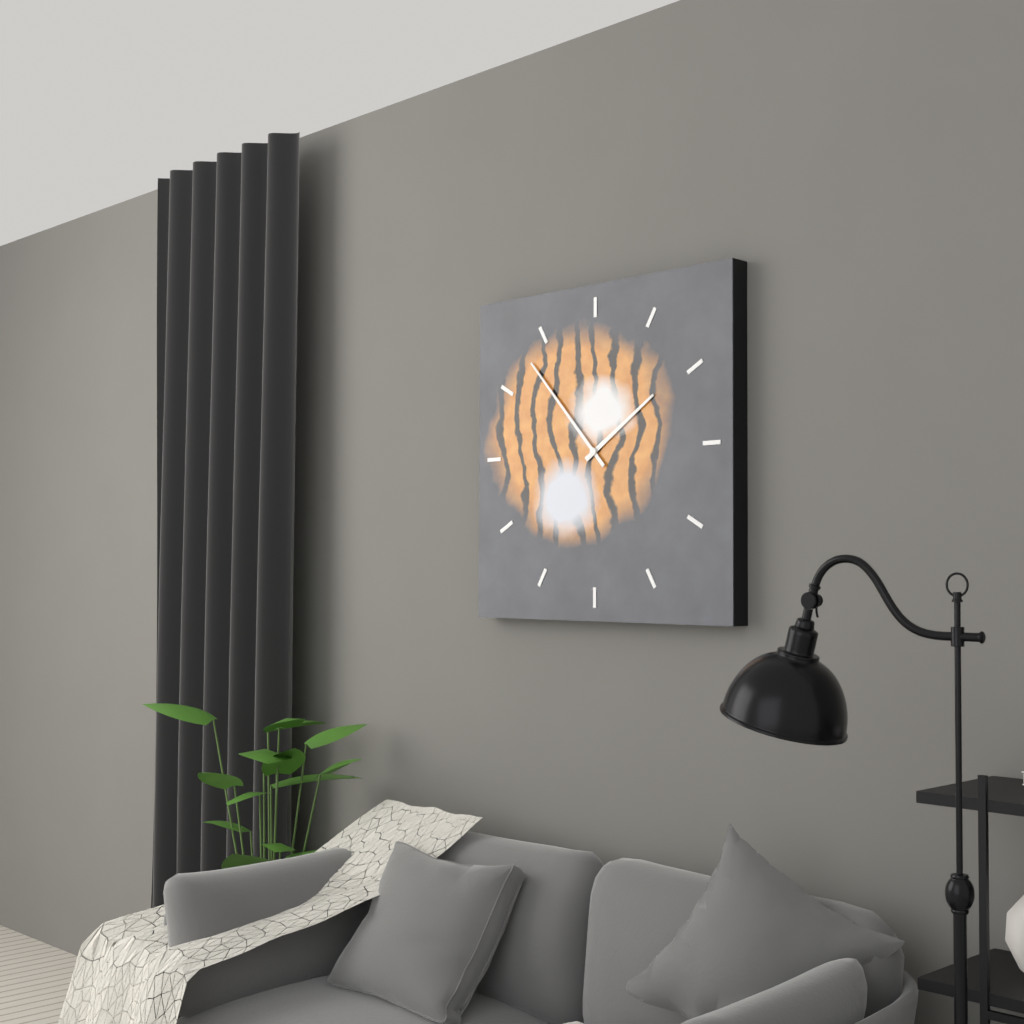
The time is **1:53**
